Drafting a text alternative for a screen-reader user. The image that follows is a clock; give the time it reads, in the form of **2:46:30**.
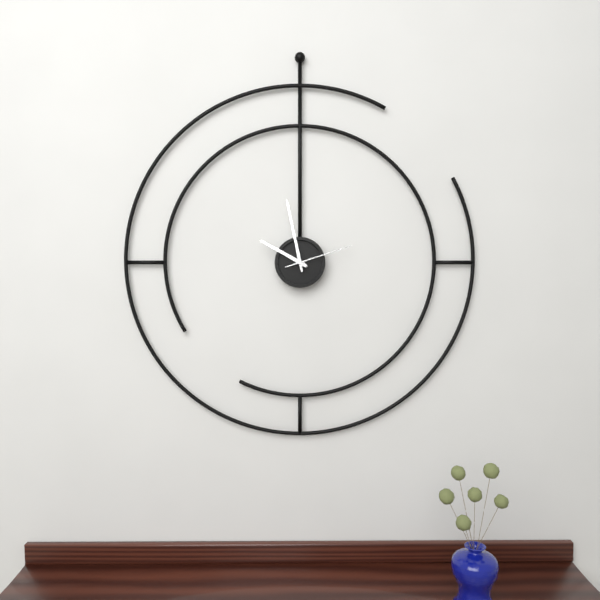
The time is **9:58:12**
